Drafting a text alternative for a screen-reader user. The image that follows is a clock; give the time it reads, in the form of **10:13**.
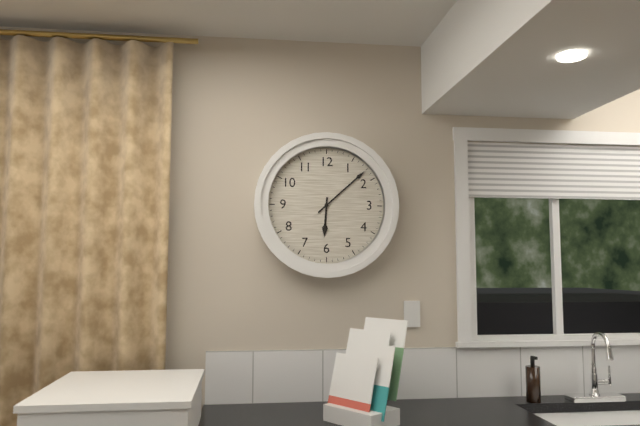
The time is **6:08**
